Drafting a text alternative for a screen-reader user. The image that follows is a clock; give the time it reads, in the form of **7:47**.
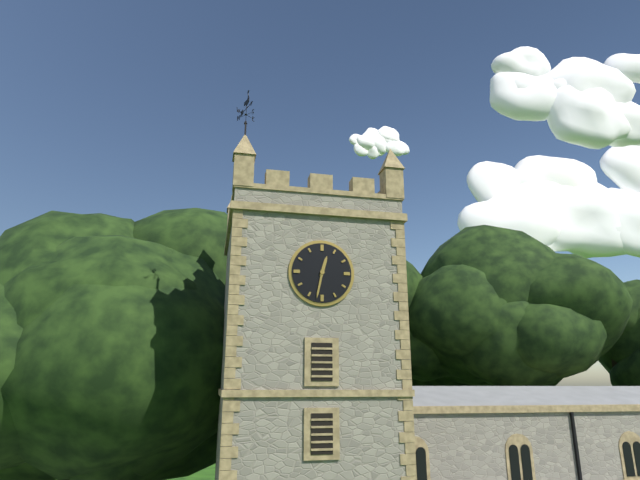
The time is **12:32**
